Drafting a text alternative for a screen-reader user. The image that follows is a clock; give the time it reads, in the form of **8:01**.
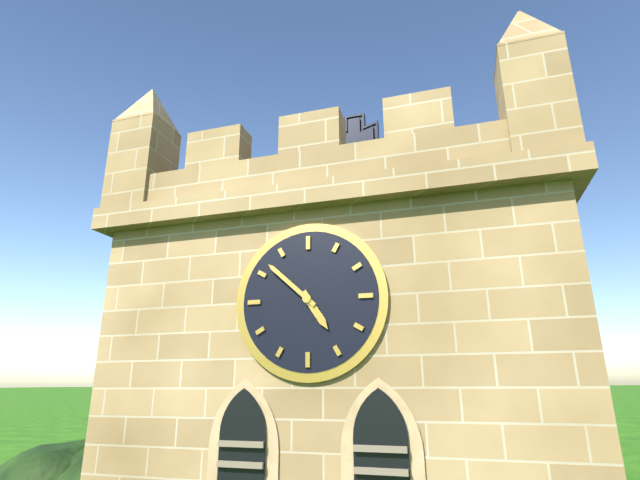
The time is **4:52**
